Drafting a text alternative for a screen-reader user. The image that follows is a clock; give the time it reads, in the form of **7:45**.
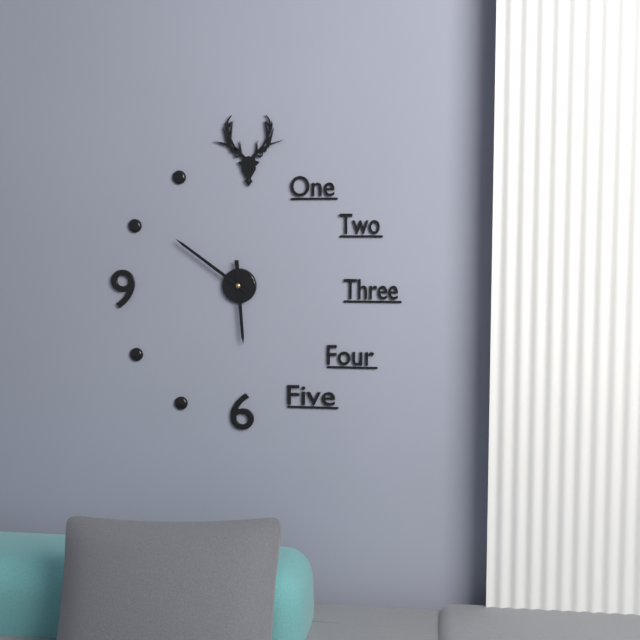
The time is **5:51**
